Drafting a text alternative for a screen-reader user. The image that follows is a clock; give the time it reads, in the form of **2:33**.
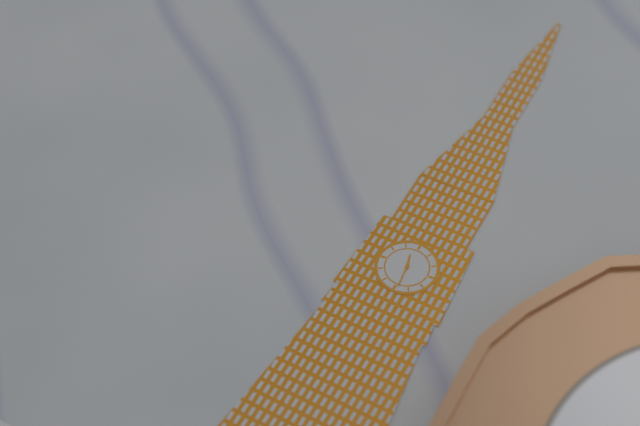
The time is **11:29**
